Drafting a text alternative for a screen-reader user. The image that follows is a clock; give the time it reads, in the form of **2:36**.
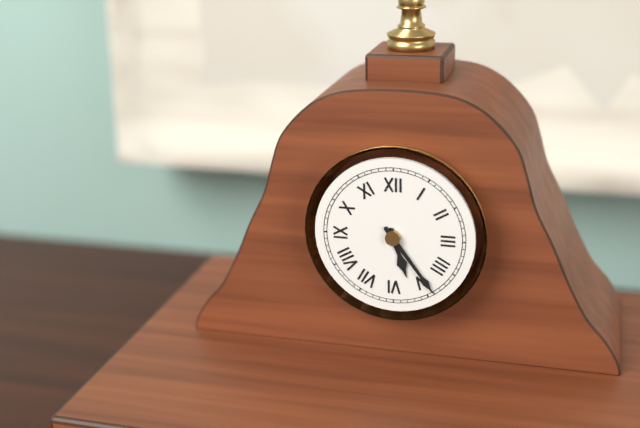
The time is **5:24**
